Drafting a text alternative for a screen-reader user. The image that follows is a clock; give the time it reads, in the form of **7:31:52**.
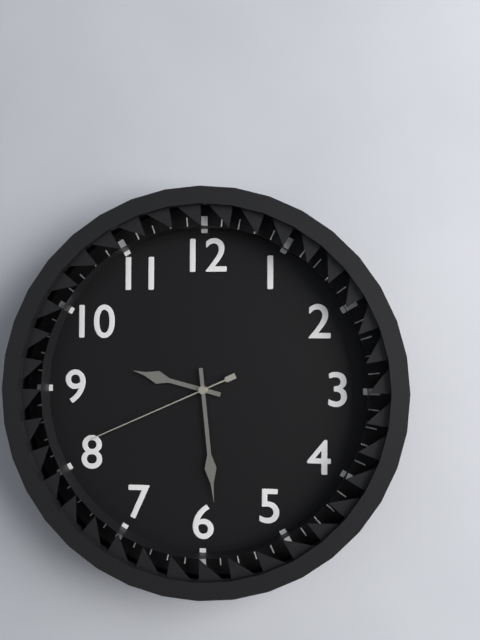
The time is **9:29:41**
